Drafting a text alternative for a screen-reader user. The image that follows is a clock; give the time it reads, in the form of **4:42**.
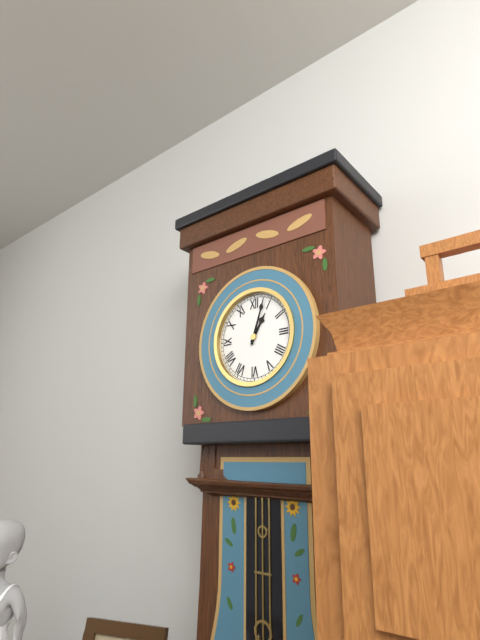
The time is **1:03**
